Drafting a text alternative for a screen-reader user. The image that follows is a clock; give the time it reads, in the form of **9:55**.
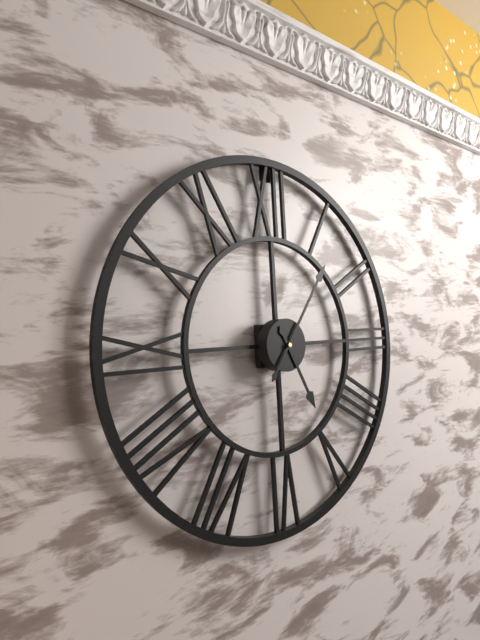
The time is **5:06**
